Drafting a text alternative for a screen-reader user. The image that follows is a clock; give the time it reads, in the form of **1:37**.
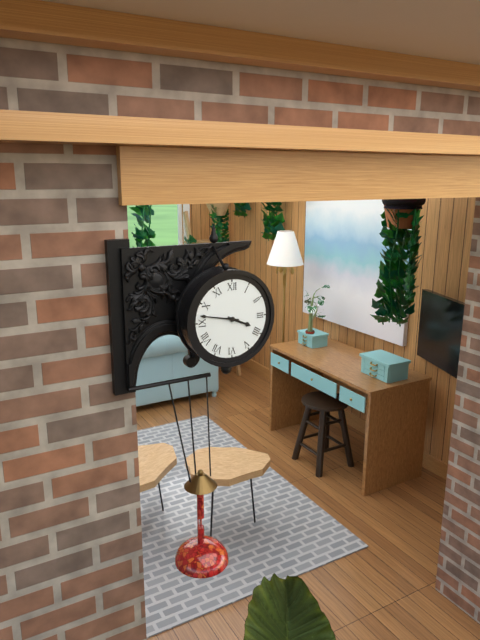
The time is **3:47**
